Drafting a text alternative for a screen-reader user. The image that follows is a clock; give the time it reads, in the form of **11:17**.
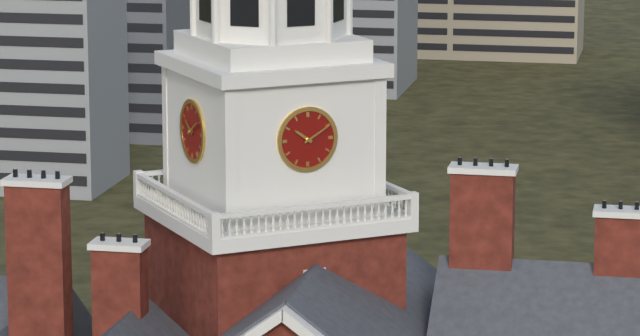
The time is **10:10**
